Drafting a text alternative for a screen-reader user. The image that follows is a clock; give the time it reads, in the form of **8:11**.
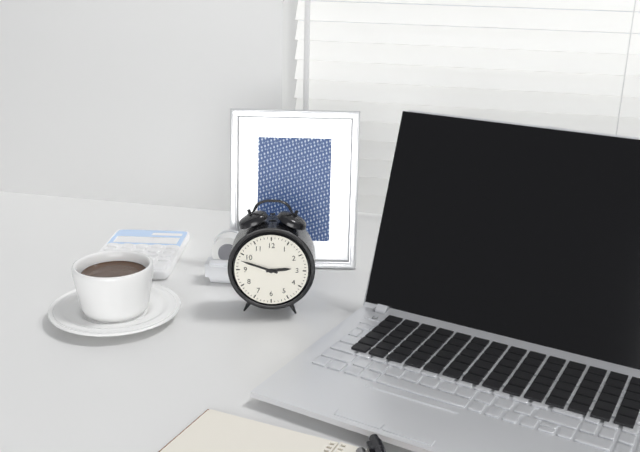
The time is **2:48**
